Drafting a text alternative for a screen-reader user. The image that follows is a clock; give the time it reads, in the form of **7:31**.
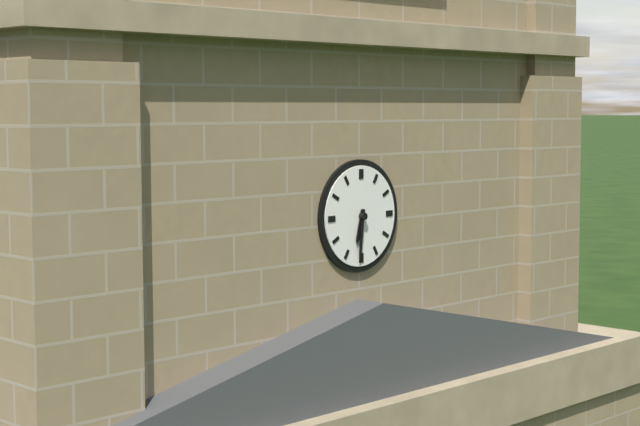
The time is **6:31**
